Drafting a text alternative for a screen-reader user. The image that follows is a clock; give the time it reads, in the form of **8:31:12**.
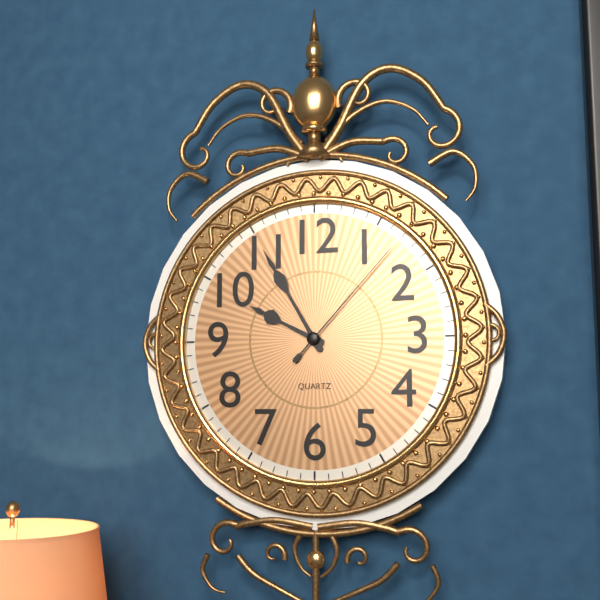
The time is **9:55:07**
